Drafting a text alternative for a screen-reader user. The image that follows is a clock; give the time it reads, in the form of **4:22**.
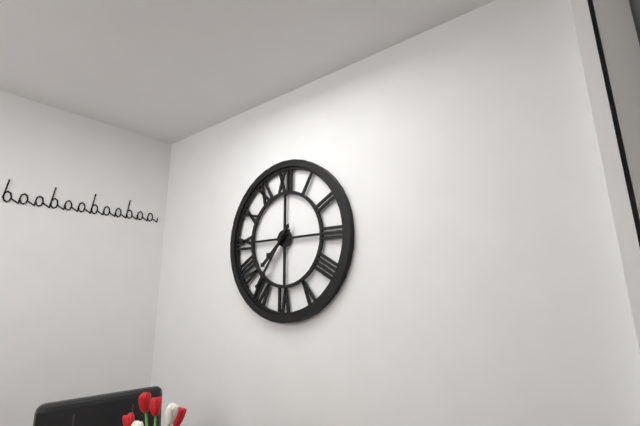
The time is **7:36**
